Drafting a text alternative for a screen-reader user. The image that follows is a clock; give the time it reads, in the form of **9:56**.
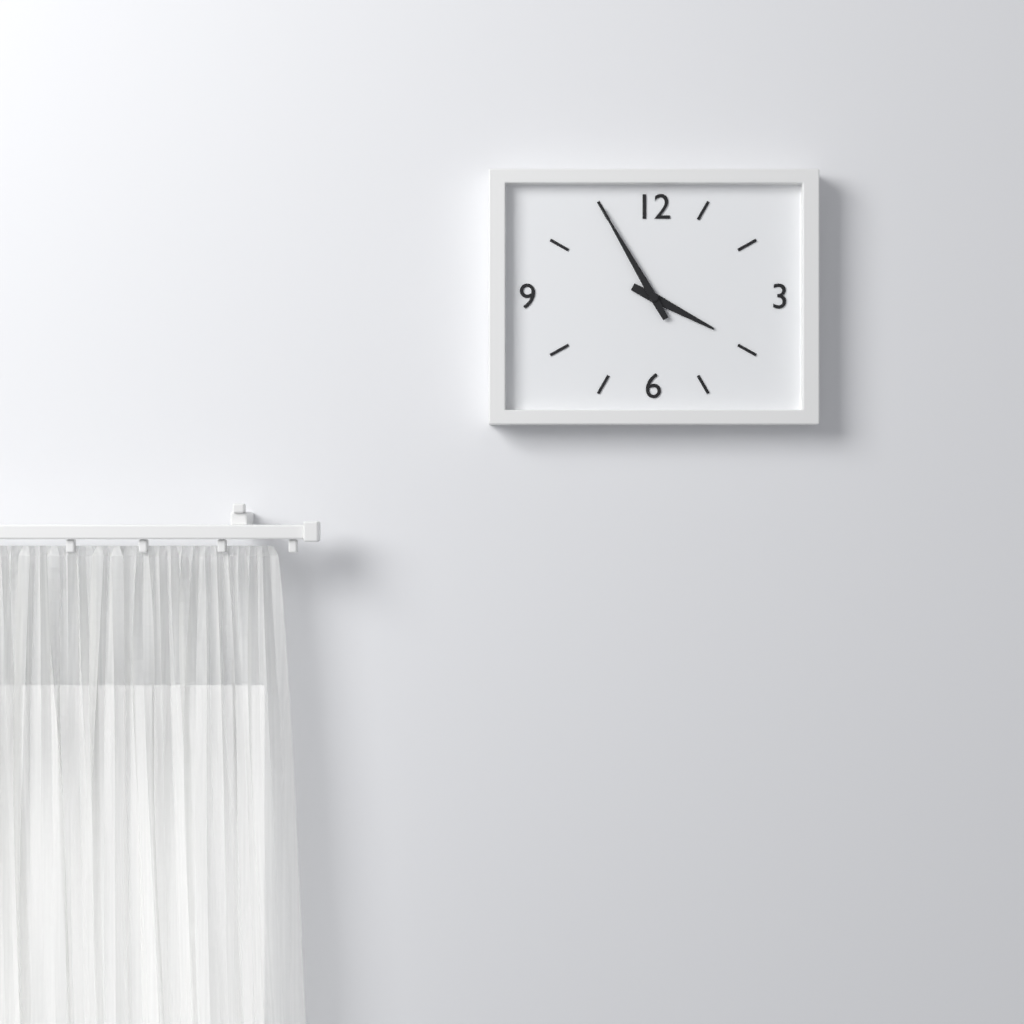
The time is **3:55**
